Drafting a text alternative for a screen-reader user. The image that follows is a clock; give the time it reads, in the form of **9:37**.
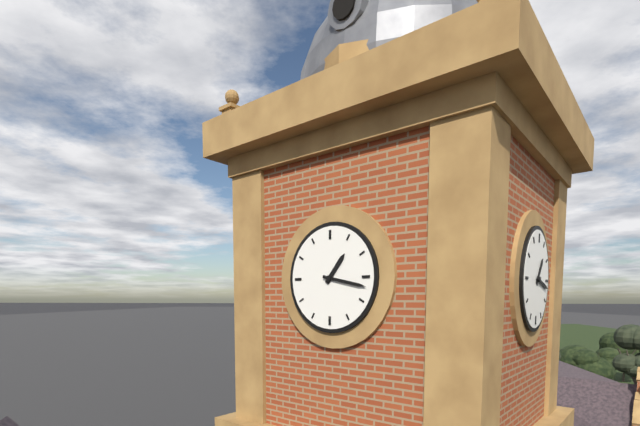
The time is **1:17**
